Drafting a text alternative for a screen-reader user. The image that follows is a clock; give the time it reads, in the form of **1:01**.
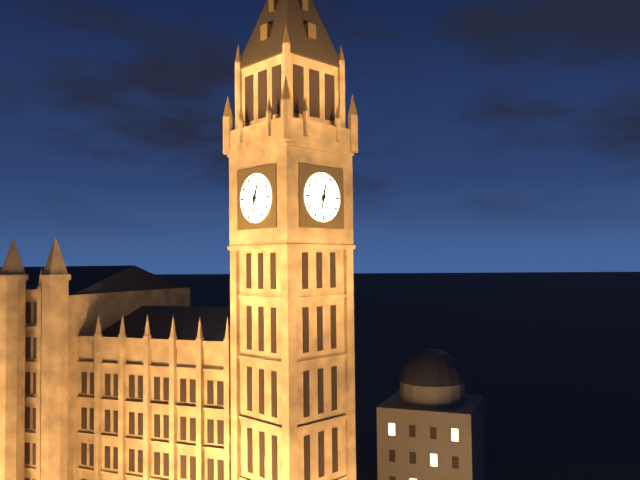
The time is **12:32**
